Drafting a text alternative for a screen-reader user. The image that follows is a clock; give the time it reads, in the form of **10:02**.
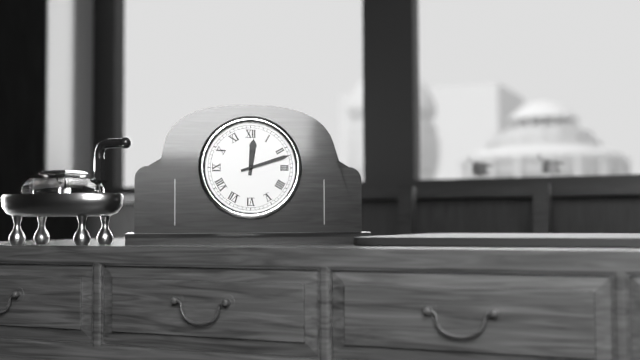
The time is **12:12**
